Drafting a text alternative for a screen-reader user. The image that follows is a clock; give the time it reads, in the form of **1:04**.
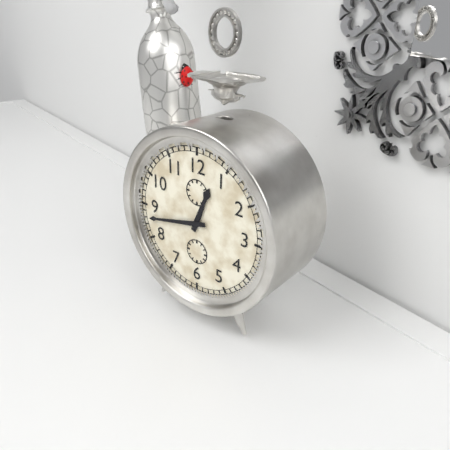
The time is **12:43**
